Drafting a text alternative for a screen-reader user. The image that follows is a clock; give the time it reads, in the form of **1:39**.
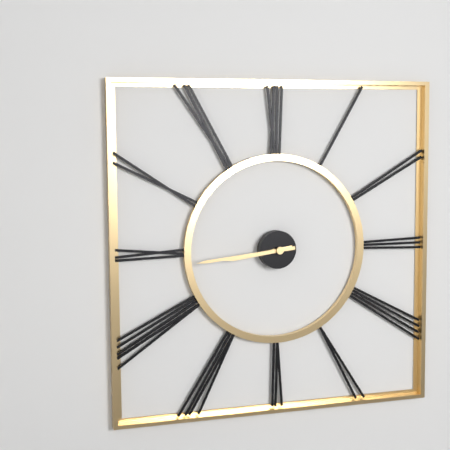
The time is **8:44**
